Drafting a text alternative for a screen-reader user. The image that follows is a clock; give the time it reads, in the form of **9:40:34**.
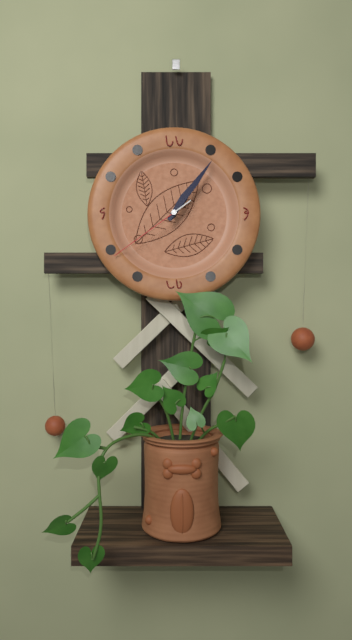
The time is **1:06:39**
